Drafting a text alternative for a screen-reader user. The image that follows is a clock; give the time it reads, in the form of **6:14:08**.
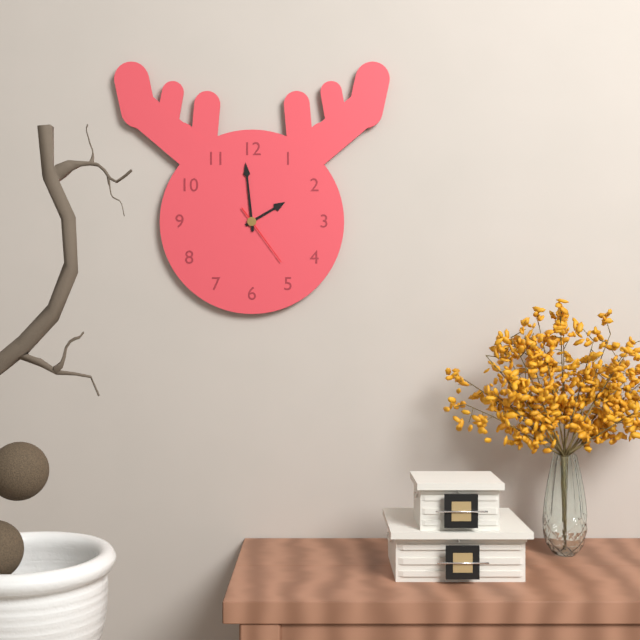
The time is **1:59:24**
